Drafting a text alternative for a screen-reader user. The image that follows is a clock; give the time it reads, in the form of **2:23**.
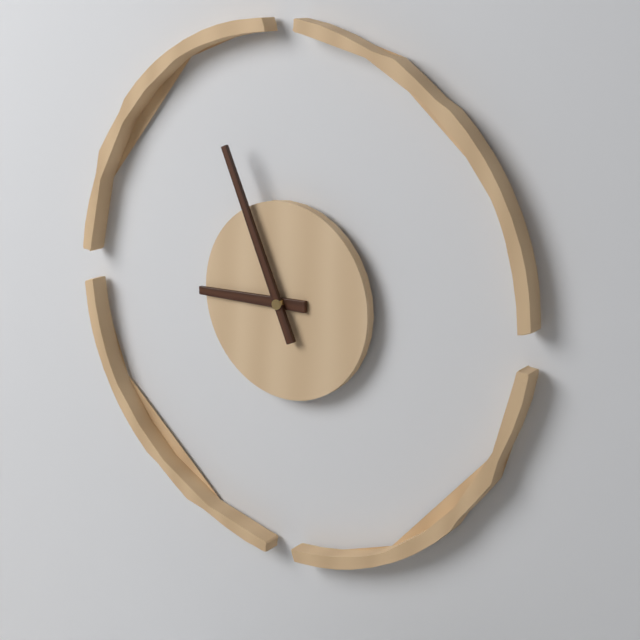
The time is **8:56**
